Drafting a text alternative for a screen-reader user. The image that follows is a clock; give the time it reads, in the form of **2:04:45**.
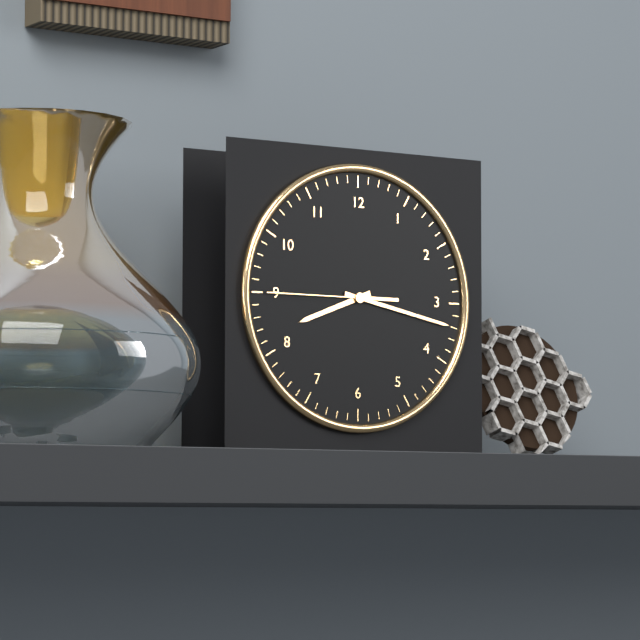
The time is **8:17:45**
